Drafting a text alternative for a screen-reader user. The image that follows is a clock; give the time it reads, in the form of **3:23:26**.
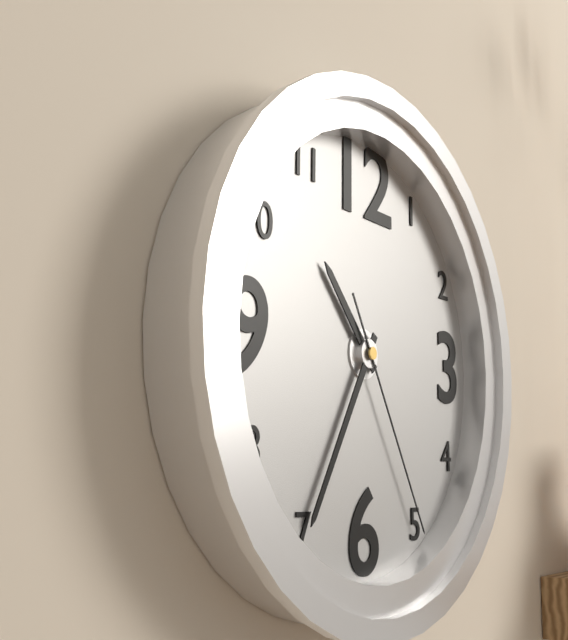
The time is **10:35:25**
